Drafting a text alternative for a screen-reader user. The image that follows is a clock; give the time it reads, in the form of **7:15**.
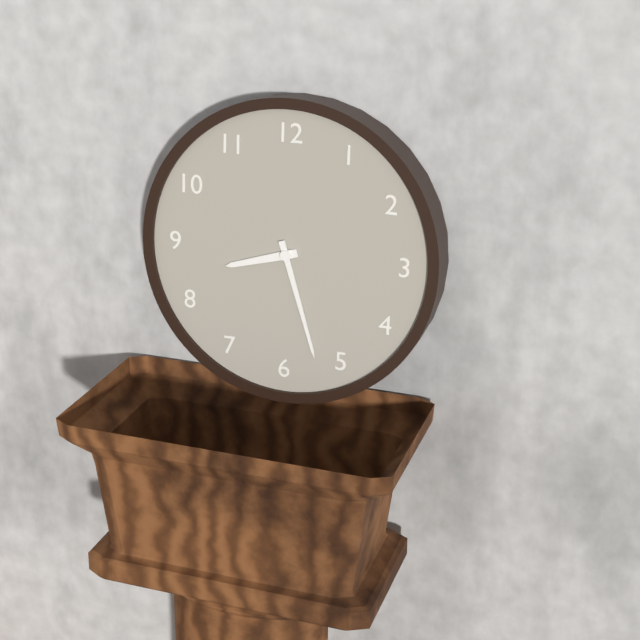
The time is **8:27**
